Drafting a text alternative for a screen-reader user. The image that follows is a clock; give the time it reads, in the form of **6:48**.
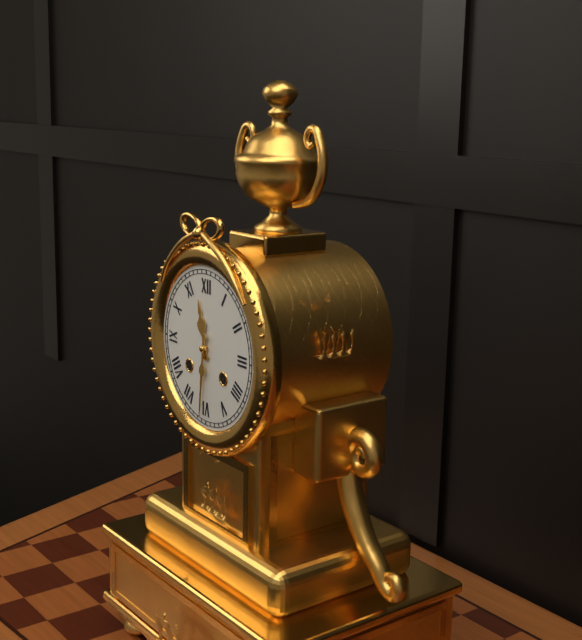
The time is **11:31**
